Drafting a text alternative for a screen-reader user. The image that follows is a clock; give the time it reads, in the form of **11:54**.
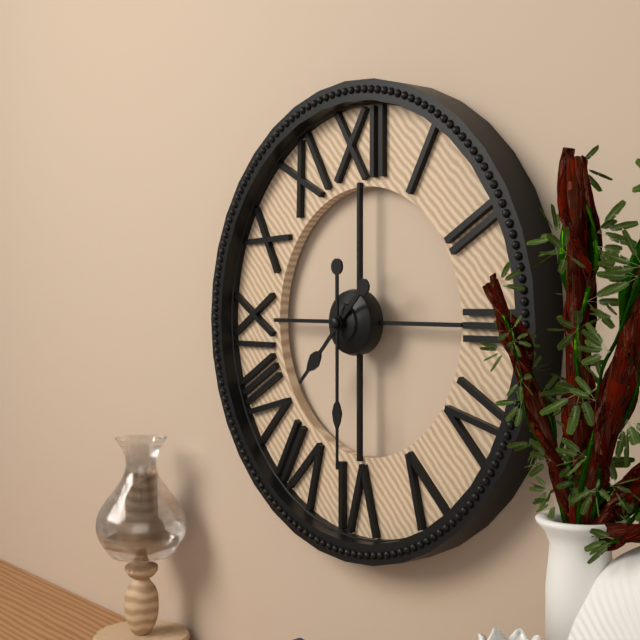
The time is **7:30**
